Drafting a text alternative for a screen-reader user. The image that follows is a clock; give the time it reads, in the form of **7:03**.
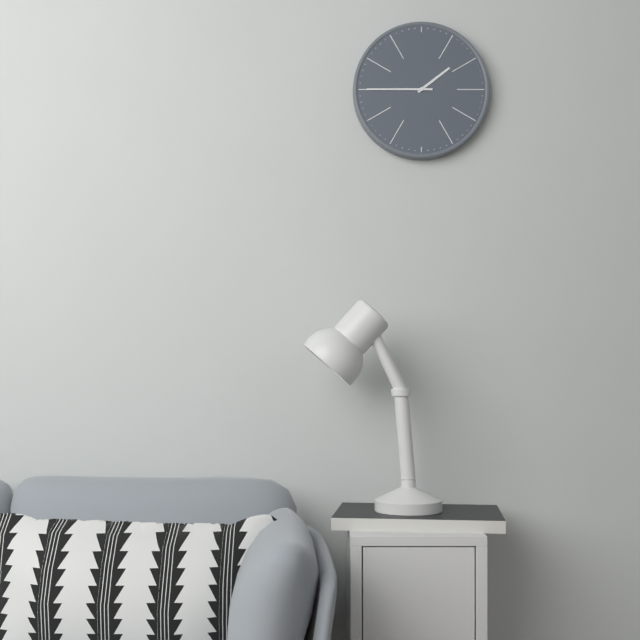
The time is **1:45**
